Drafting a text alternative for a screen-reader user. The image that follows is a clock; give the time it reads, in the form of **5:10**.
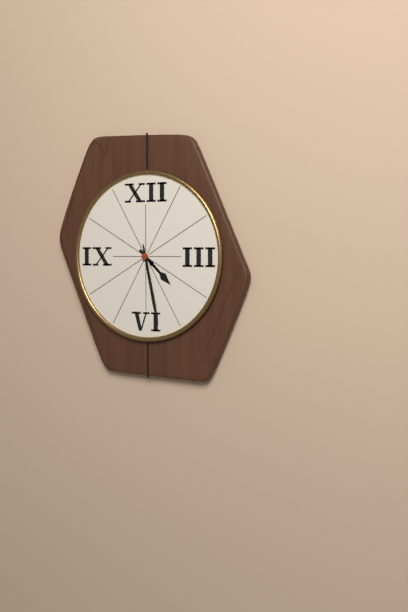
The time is **4:28**
